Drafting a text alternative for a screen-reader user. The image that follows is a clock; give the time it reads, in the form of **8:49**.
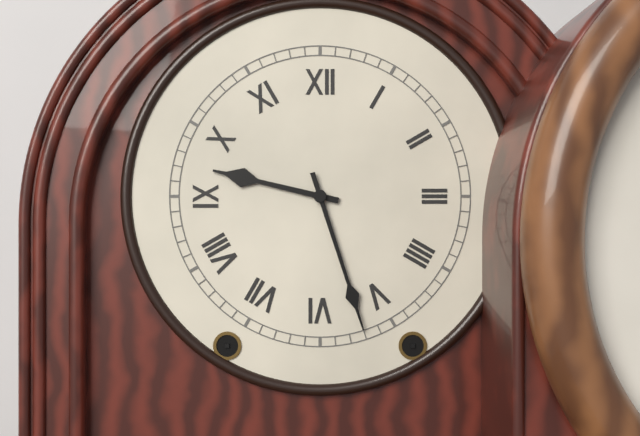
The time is **9:27**
